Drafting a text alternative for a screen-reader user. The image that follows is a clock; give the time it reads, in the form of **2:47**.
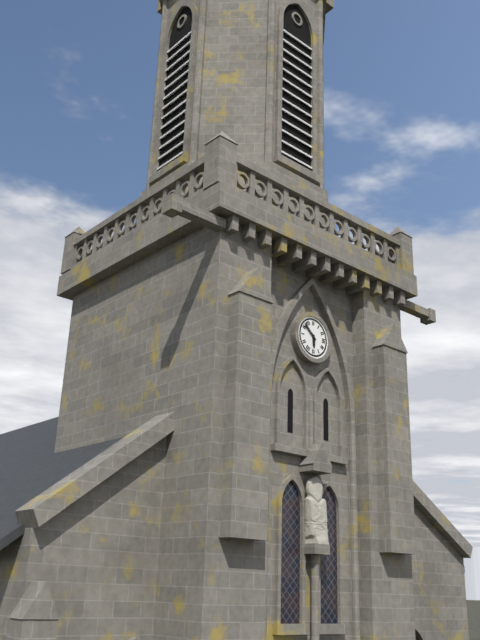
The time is **5:52**
